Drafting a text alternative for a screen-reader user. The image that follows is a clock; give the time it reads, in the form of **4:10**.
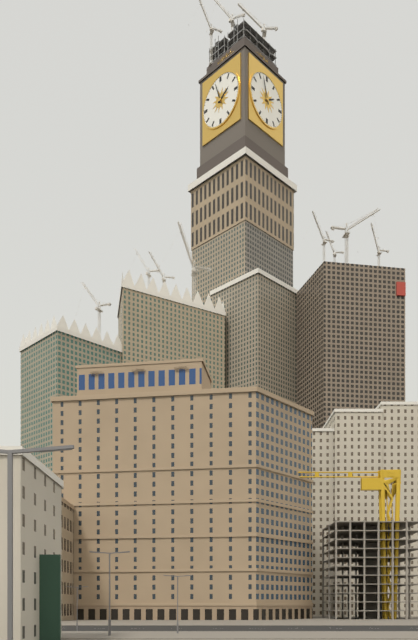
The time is **1:57**
